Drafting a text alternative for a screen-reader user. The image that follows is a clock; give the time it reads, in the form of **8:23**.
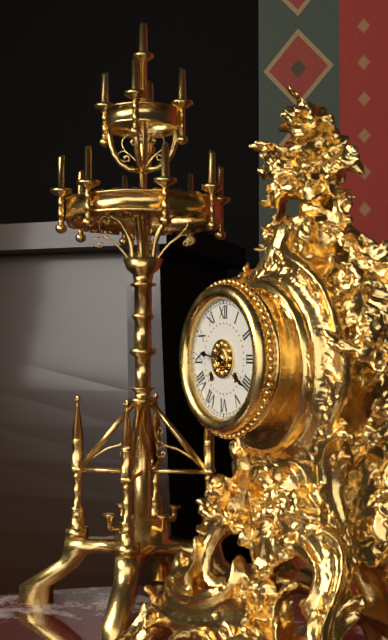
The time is **9:20**
